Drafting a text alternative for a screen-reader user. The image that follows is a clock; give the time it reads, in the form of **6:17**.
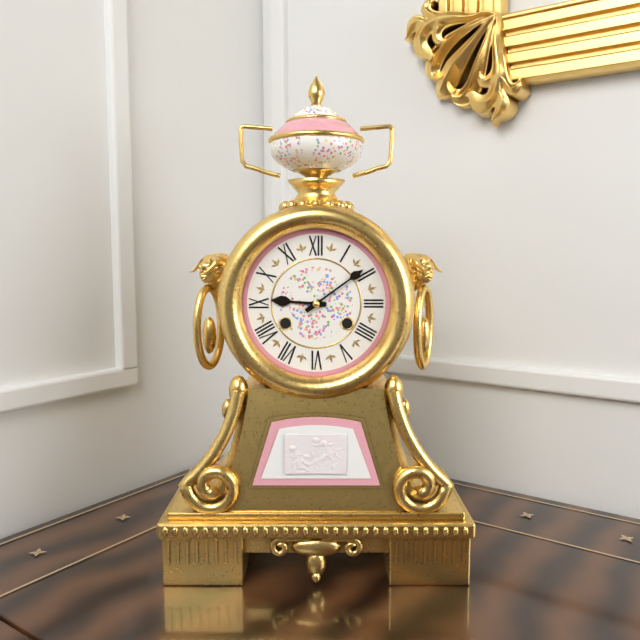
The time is **9:09**
